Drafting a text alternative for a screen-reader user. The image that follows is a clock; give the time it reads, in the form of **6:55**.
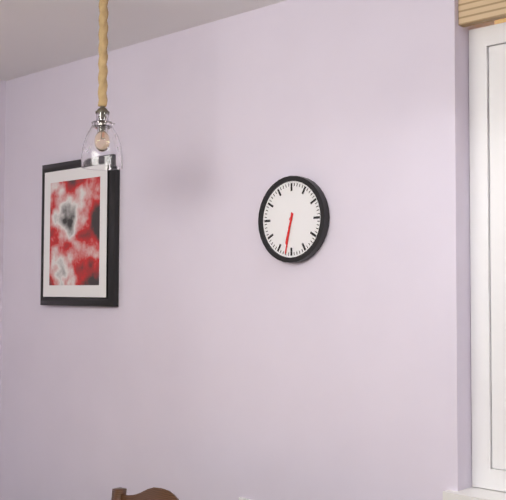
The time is **6:32**
